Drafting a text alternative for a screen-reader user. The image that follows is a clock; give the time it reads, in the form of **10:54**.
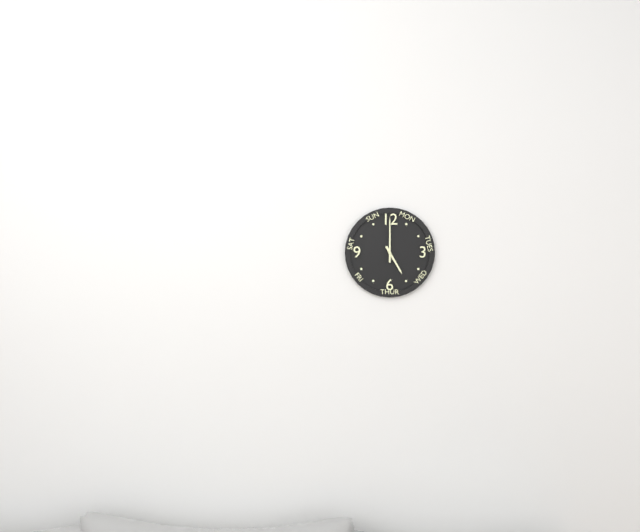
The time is **5:00**
